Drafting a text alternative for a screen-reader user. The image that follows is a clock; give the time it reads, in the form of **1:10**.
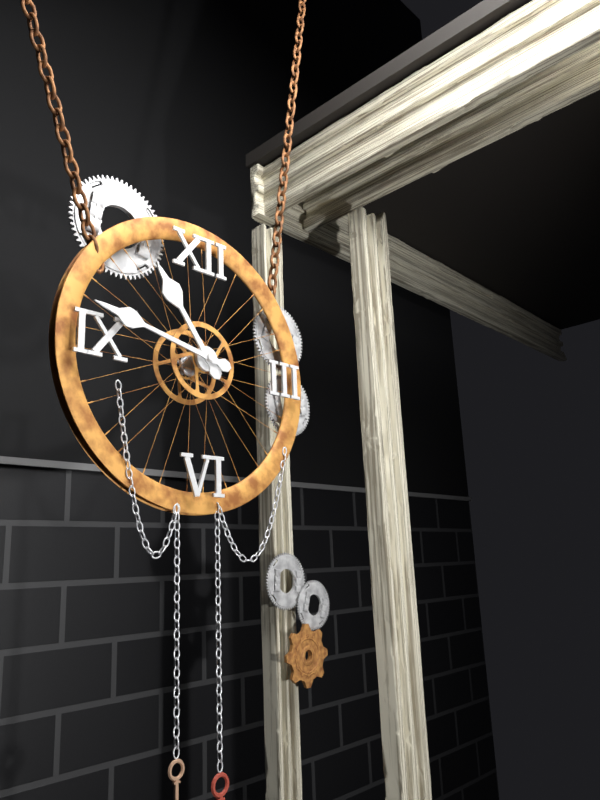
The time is **10:47**
